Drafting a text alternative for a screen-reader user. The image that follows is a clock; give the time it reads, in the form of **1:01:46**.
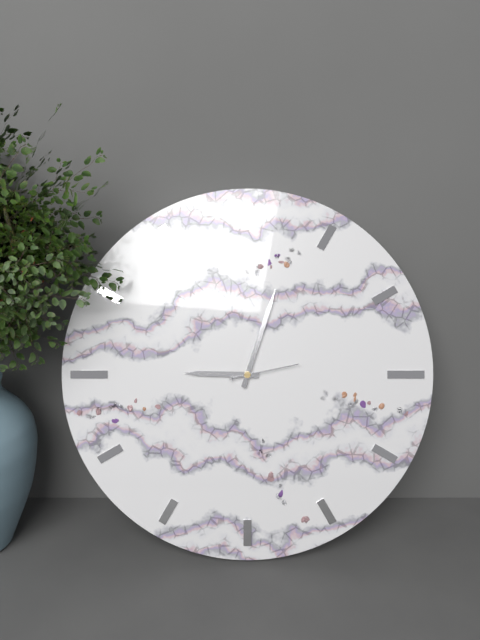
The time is **9:03:13**
